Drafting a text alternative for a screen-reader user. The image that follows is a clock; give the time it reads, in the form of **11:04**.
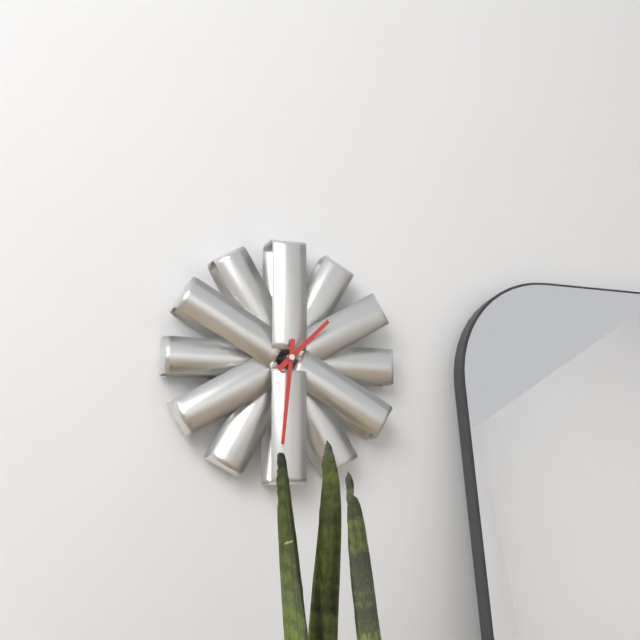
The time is **1:31**
